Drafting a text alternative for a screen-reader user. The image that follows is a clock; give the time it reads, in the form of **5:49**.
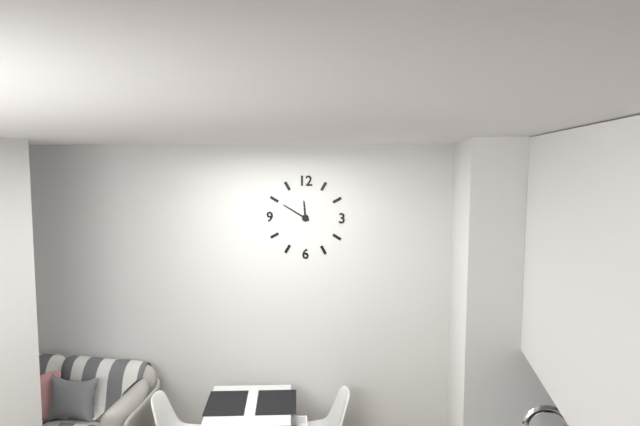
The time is **11:50**
